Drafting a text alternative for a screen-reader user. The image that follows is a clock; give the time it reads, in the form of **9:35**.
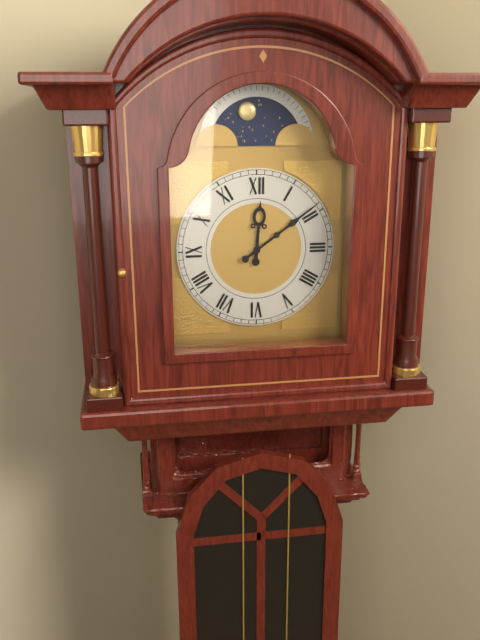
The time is **12:09**
